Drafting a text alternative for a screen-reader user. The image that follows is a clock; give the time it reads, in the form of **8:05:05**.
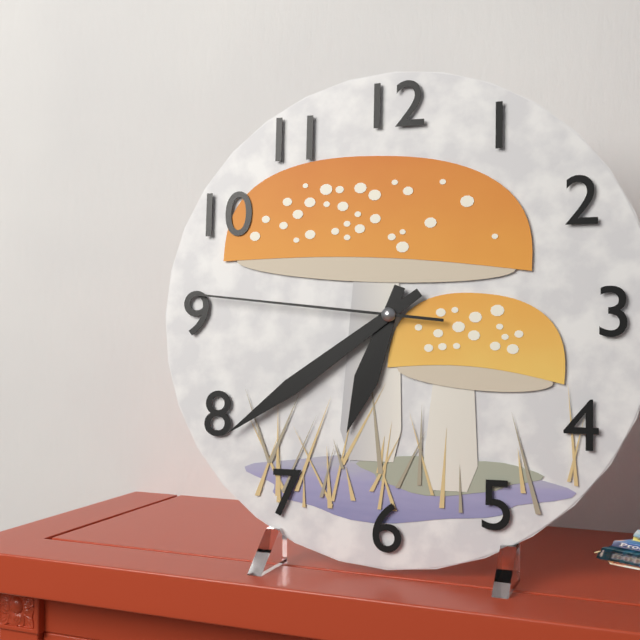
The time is **6:39:46**
